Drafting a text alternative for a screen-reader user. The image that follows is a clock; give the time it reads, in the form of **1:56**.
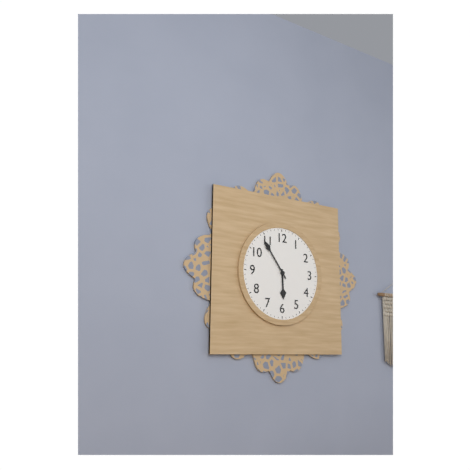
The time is **5:54**
